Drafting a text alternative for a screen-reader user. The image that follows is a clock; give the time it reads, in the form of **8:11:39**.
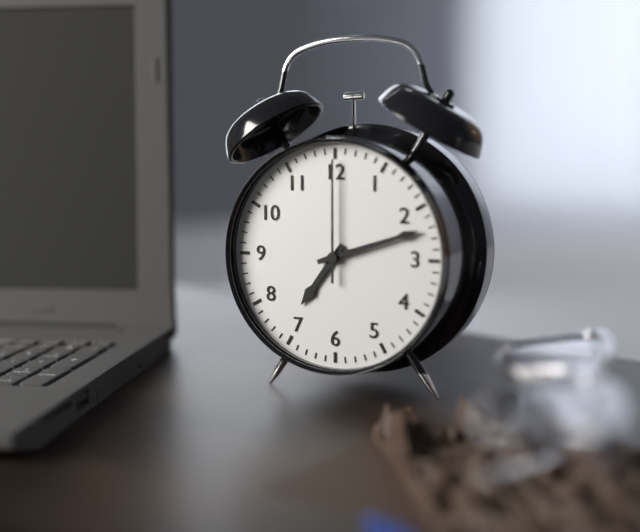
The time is **7:12:00**
